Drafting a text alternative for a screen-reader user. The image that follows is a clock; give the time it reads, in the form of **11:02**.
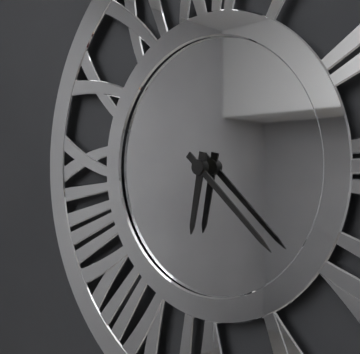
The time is **6:22**
